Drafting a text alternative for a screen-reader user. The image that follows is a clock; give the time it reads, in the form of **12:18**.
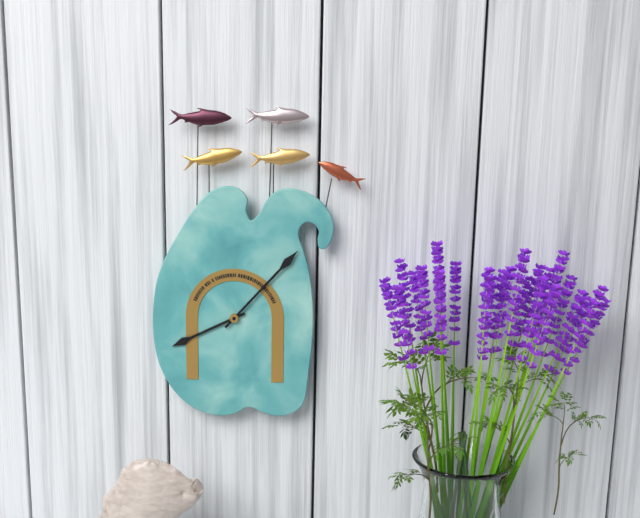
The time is **8:07**
